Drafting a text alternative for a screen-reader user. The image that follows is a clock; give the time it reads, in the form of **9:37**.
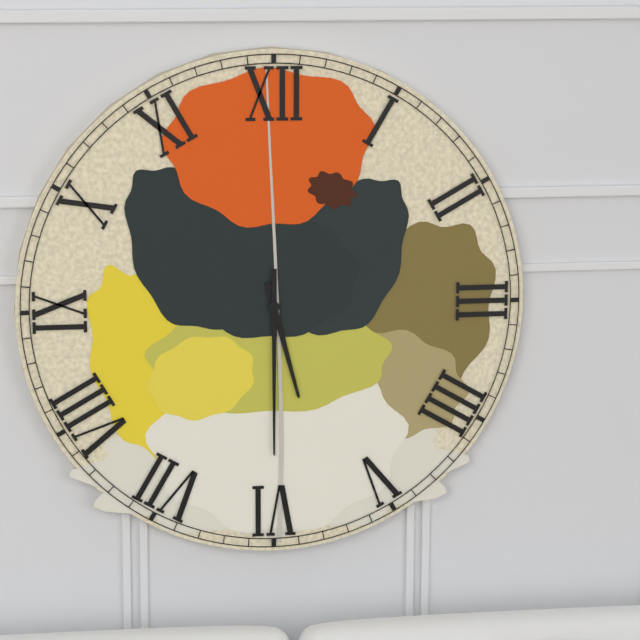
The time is **5:30**
